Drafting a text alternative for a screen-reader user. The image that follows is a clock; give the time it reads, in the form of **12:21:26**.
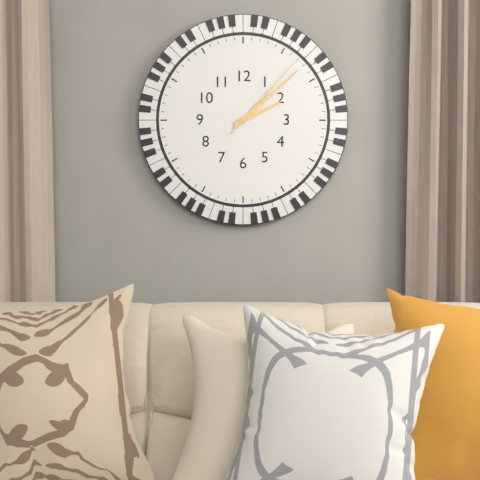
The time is **2:08:07**
